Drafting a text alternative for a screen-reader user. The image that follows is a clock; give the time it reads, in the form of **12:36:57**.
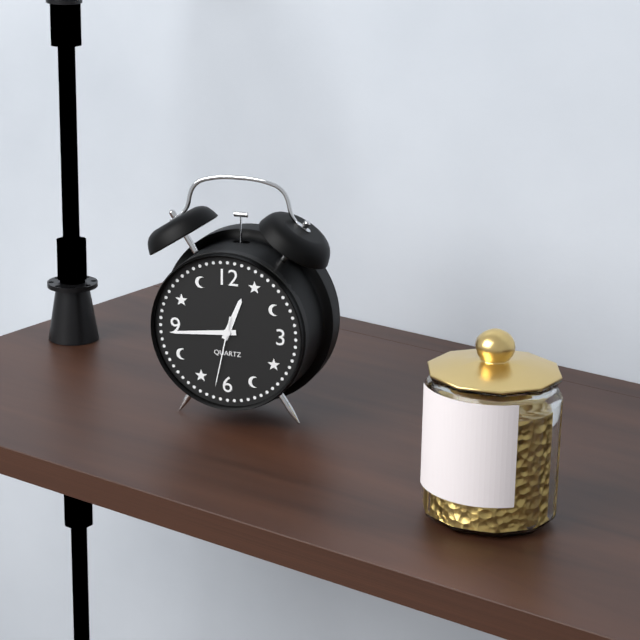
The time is **12:44:32**
